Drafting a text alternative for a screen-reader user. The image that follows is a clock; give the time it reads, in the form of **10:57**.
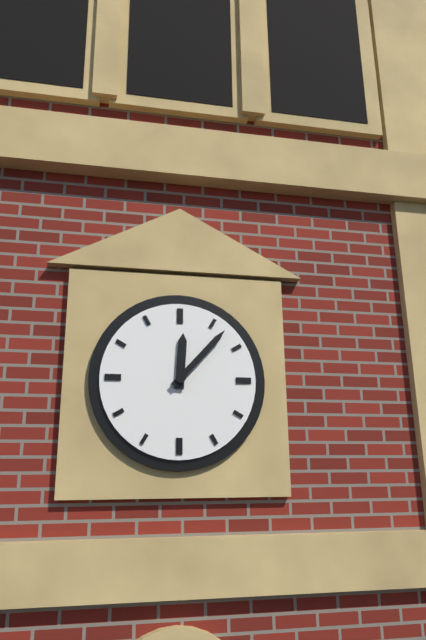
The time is **12:07**
